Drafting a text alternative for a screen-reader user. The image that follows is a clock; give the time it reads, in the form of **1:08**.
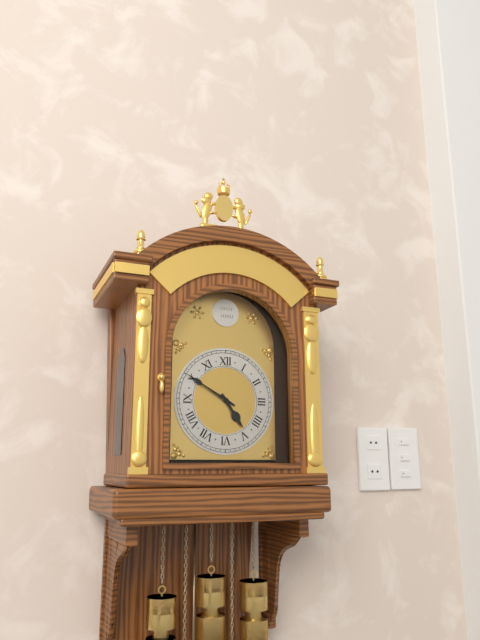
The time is **4:50**
